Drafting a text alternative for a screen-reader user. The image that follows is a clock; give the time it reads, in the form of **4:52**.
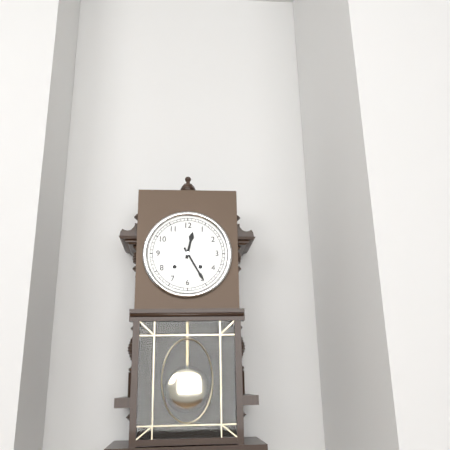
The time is **12:25**
